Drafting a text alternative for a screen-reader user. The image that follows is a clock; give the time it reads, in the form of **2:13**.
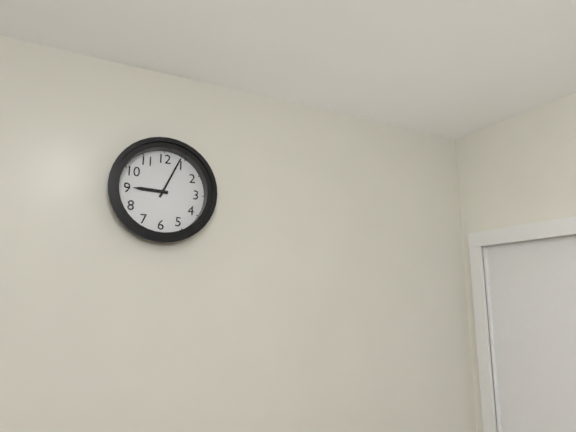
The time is **9:04**
